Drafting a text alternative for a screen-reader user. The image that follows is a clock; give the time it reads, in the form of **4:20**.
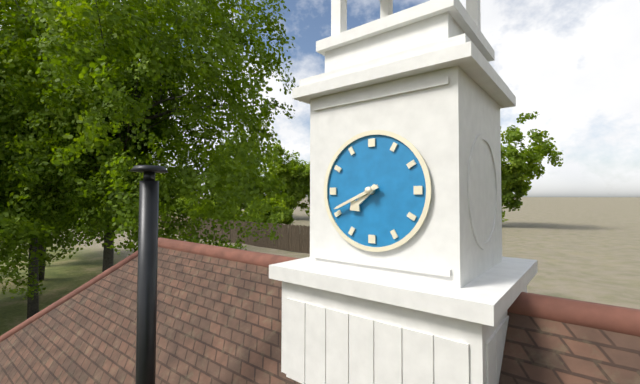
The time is **7:41**
